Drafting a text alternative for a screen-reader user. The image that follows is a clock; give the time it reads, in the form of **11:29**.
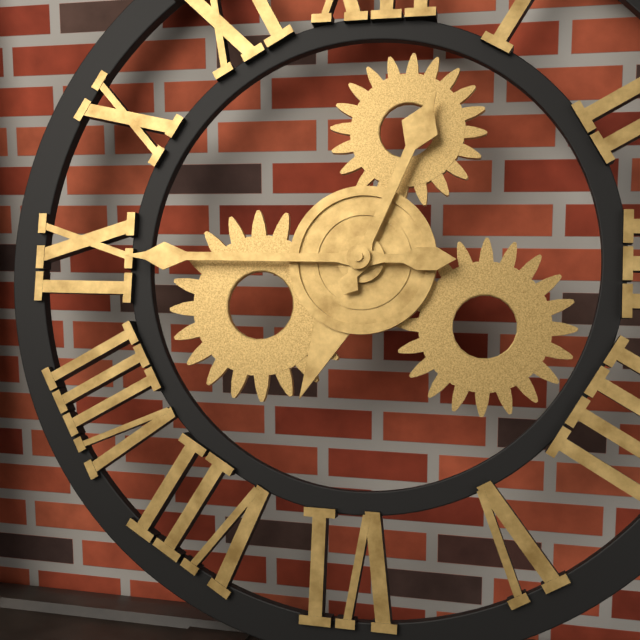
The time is **12:45**
